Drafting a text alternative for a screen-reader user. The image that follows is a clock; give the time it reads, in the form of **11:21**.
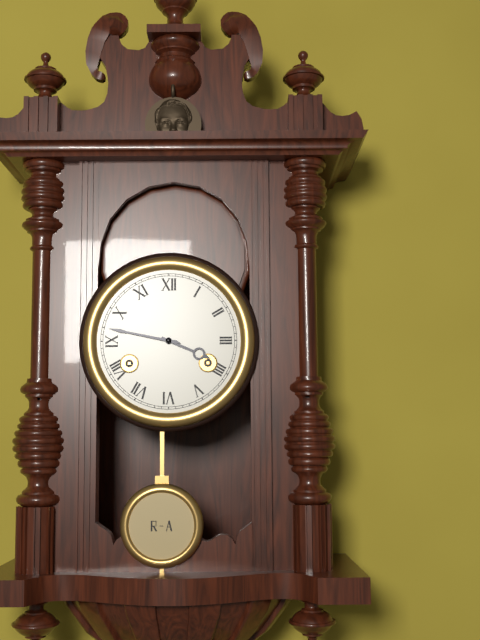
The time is **3:47**
